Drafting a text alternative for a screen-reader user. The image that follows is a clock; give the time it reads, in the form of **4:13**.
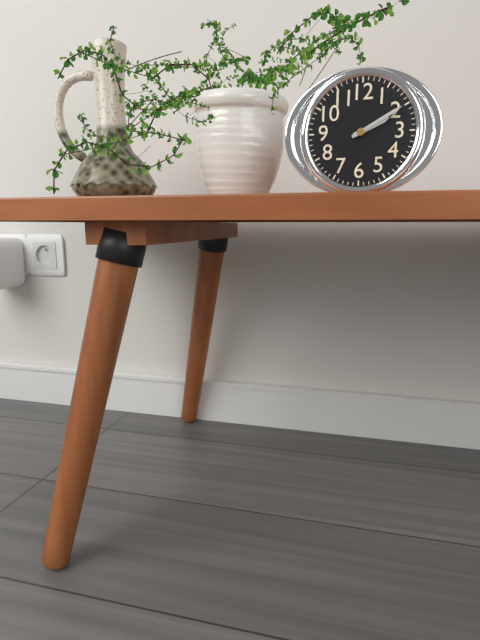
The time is **2:10**
